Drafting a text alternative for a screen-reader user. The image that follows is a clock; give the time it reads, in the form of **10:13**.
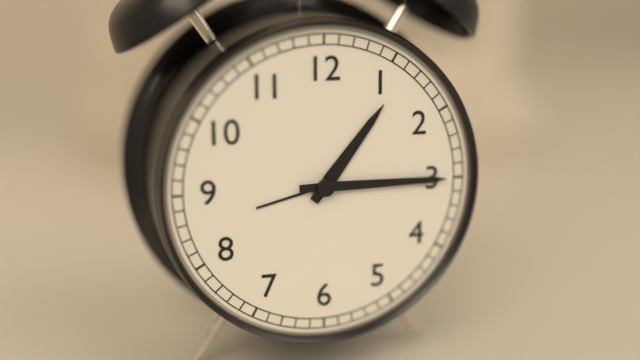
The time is **1:15**
